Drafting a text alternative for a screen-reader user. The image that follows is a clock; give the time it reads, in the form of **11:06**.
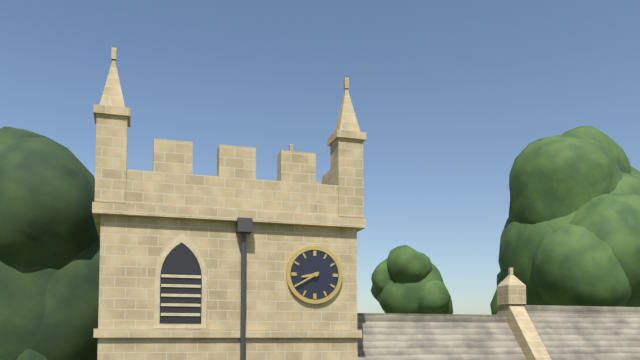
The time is **8:40**
